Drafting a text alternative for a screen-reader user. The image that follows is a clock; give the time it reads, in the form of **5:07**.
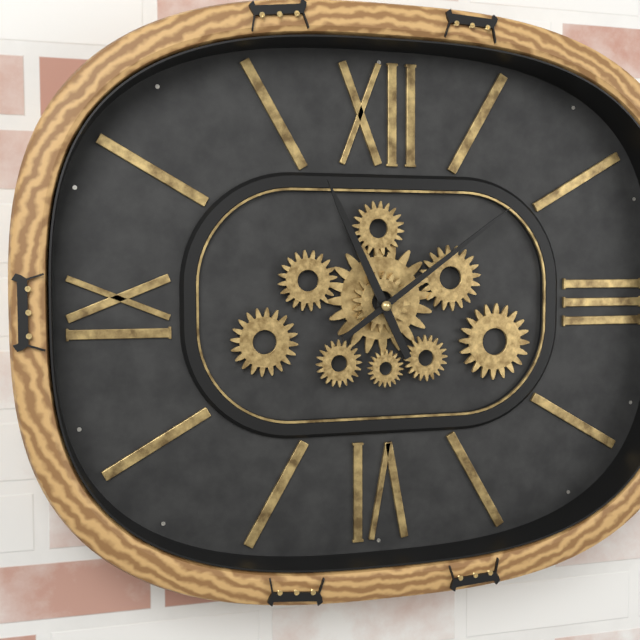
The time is **11:09**
